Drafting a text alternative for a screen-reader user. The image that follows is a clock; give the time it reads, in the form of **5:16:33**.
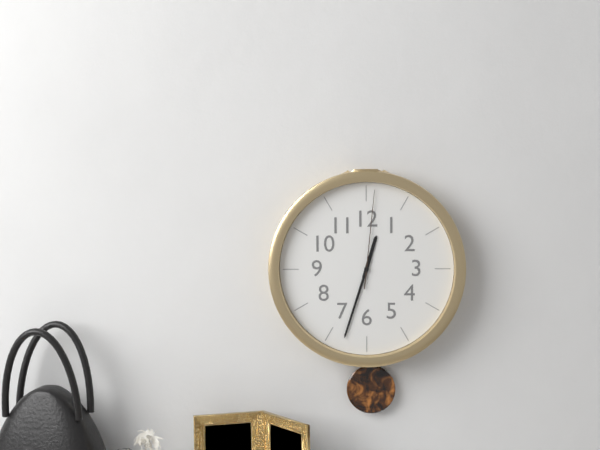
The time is **12:33:01**
